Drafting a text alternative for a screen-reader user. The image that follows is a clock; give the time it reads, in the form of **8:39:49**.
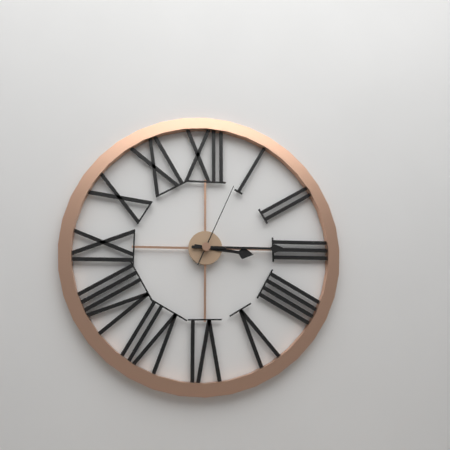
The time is **3:15:04**
